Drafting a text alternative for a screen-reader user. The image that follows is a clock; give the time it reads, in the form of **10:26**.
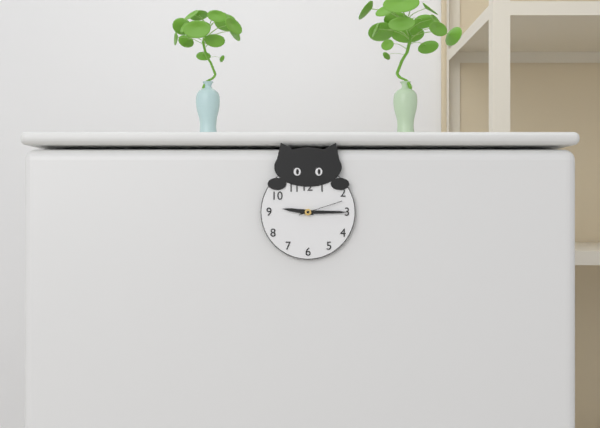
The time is **9:15**
